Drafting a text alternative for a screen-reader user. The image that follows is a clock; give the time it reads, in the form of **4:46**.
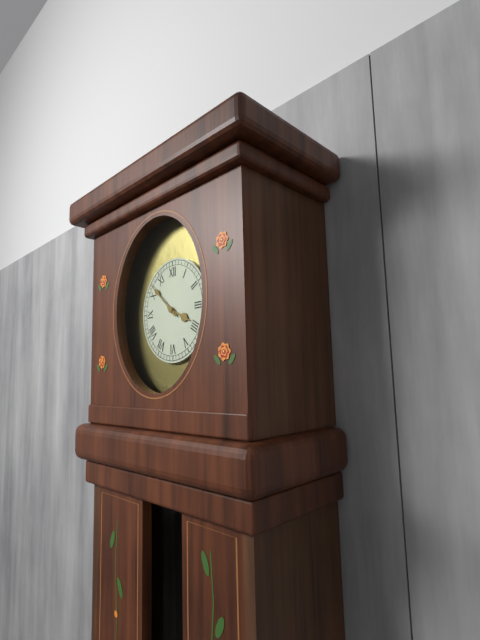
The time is **3:52**
